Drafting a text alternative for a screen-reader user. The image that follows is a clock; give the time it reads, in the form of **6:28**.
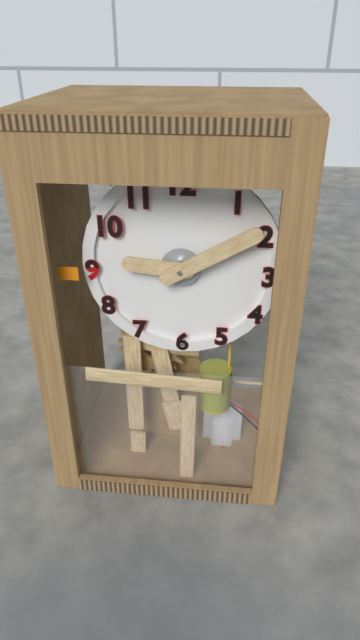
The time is **9:10**
